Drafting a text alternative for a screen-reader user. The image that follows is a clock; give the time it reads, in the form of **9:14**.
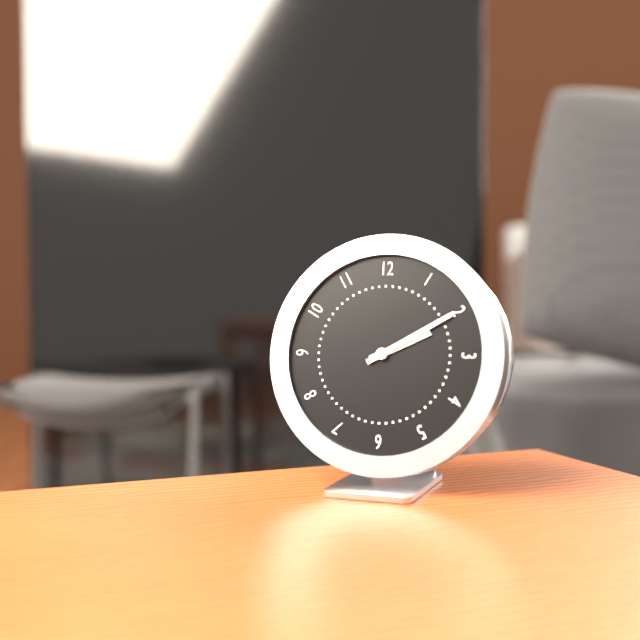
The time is **2:10**
